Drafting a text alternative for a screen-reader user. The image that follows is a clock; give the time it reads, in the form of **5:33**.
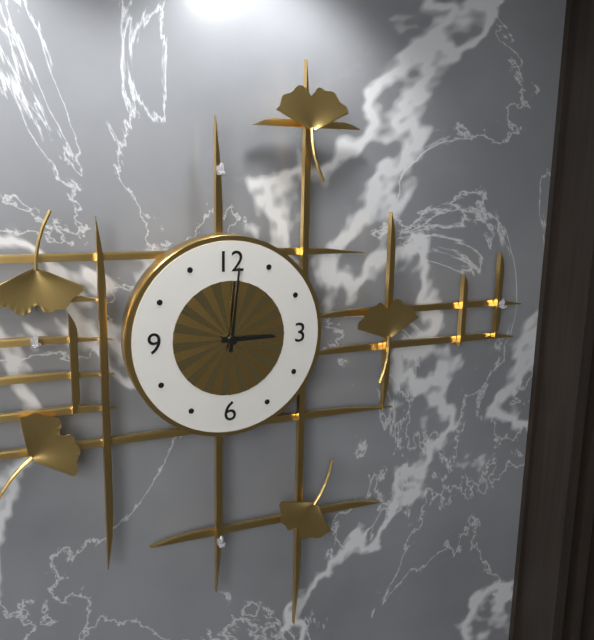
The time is **3:01**
